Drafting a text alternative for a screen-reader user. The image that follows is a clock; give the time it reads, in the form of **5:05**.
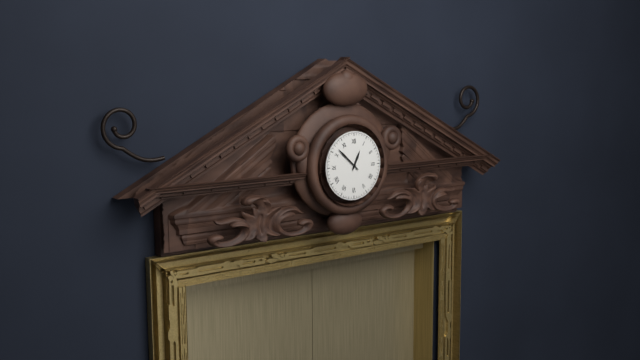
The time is **12:52**
